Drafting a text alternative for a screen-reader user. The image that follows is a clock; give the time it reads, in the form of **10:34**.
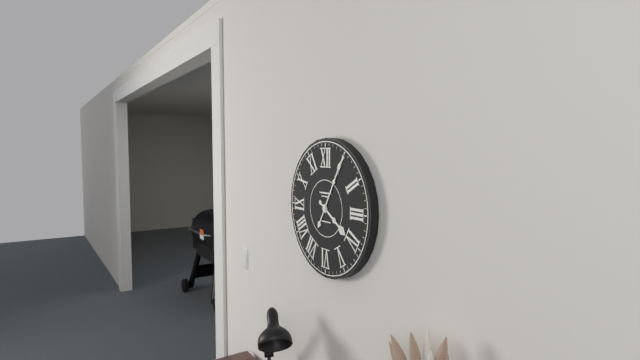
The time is **4:05**
